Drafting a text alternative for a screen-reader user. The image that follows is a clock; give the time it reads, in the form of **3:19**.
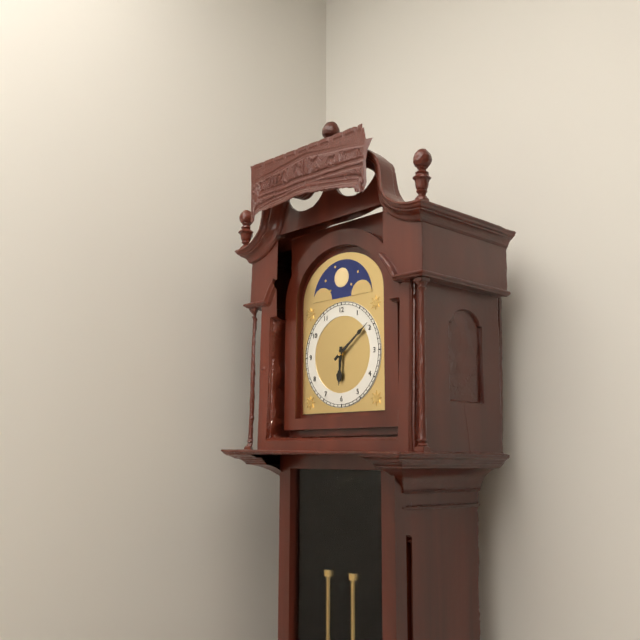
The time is **6:09**
